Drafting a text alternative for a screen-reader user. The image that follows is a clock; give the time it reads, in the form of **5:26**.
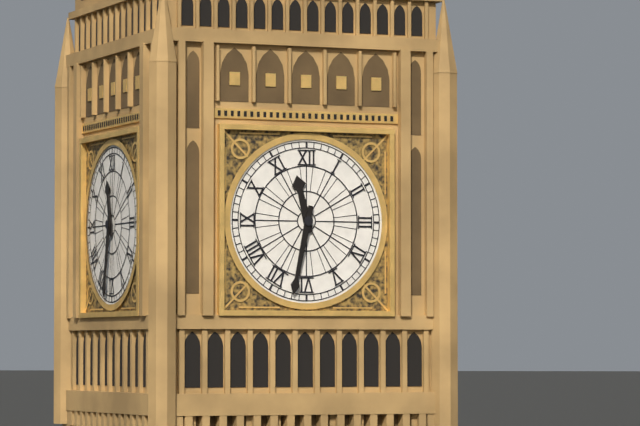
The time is **11:32**
